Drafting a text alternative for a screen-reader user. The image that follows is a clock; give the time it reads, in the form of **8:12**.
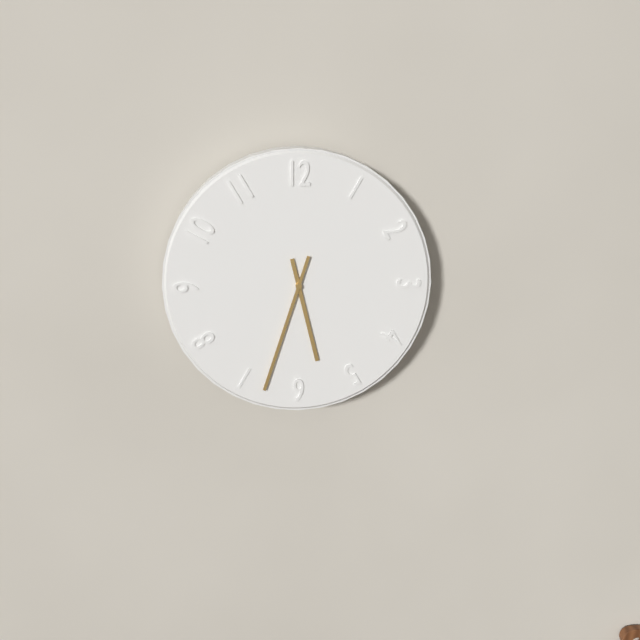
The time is **5:33**
